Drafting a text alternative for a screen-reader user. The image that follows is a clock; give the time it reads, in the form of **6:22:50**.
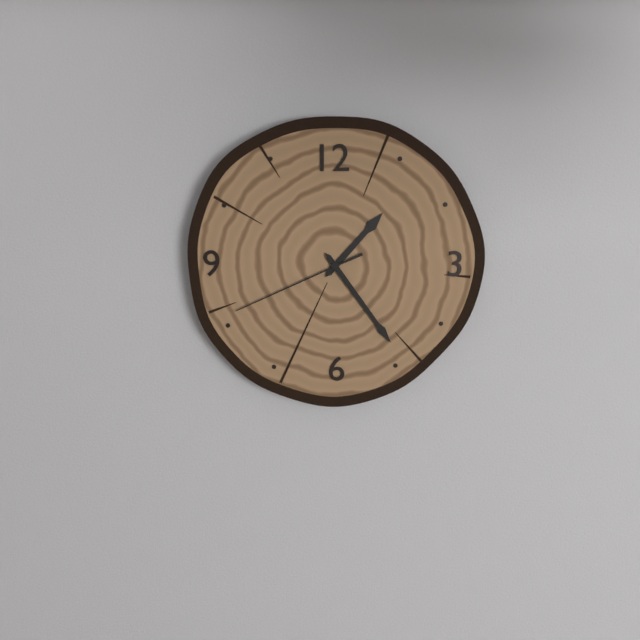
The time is **1:24:41**
